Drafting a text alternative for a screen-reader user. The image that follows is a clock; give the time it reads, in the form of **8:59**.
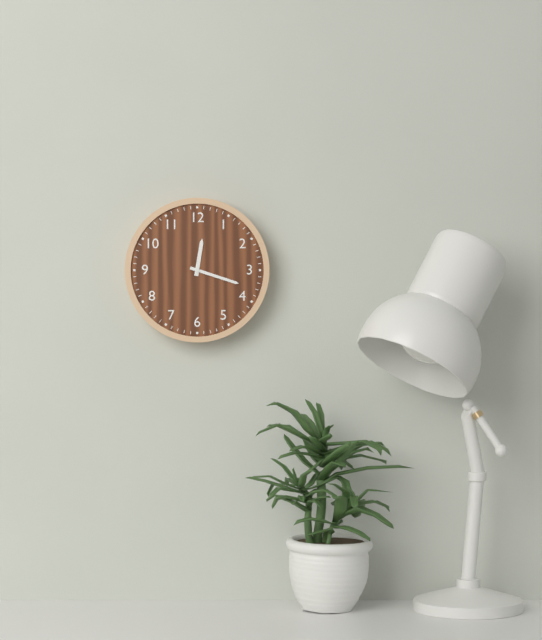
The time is **12:18**
